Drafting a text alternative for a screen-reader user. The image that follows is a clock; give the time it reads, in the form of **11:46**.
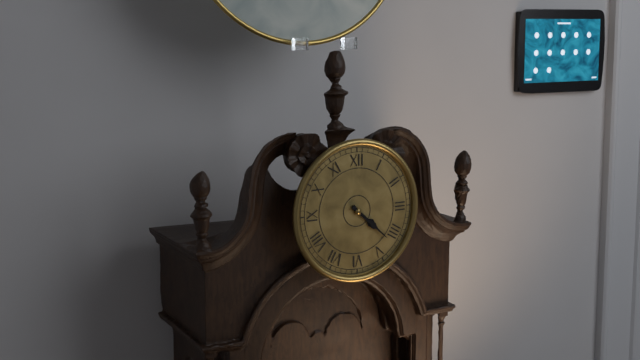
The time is **4:22**
